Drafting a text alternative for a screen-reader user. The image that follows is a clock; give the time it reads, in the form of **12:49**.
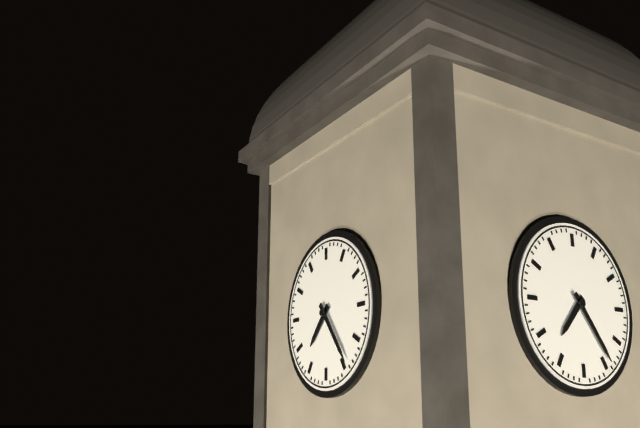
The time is **7:24**
